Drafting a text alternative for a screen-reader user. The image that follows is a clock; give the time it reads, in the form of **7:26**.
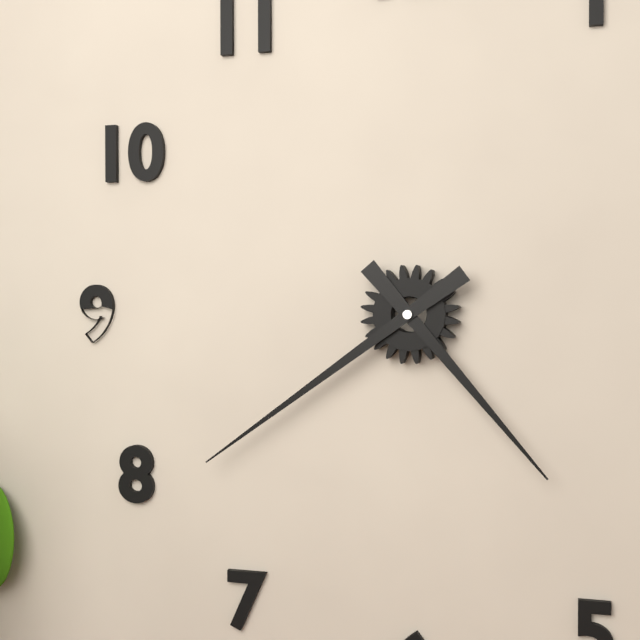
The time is **4:39**
